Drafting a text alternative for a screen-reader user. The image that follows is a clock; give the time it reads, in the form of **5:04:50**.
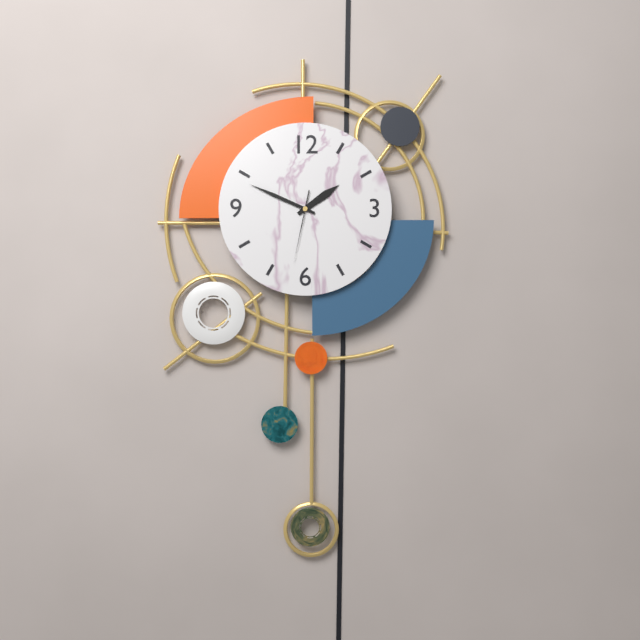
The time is **1:49:32**
